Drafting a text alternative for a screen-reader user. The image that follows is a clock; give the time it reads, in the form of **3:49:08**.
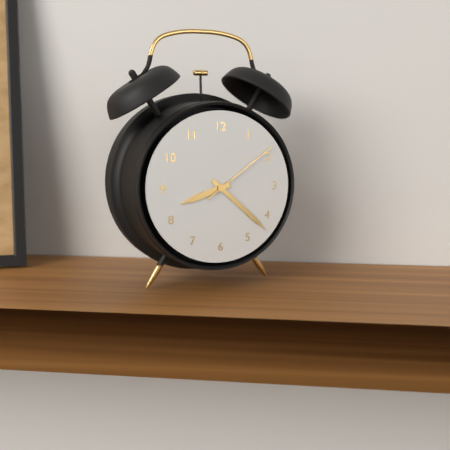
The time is **8:22:09**
